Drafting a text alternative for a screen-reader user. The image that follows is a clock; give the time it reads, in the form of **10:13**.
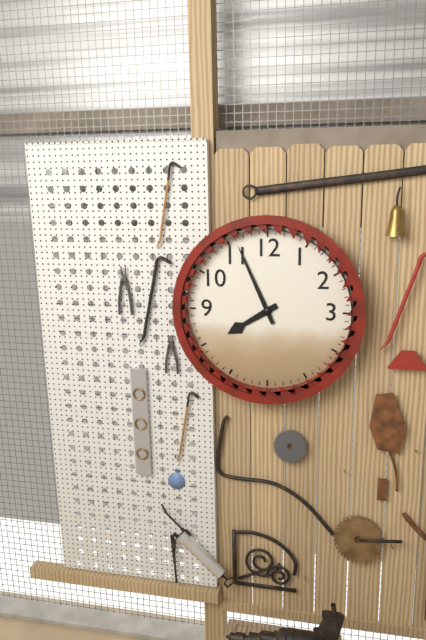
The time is **7:56**
